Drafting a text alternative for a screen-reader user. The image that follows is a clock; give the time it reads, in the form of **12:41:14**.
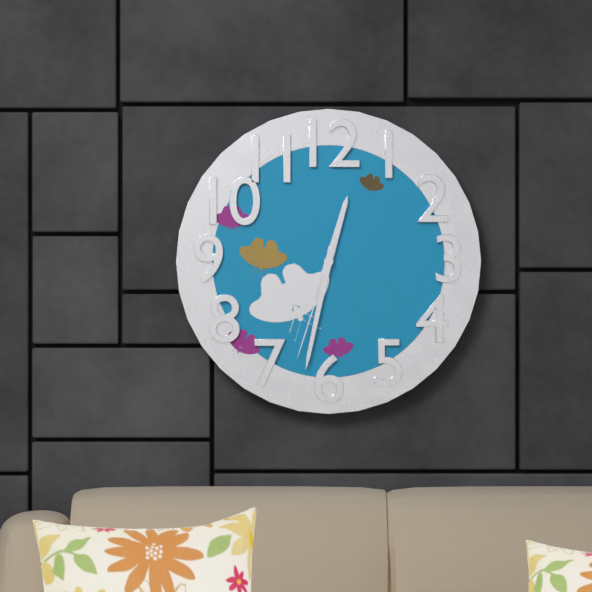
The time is **12:32:33**
